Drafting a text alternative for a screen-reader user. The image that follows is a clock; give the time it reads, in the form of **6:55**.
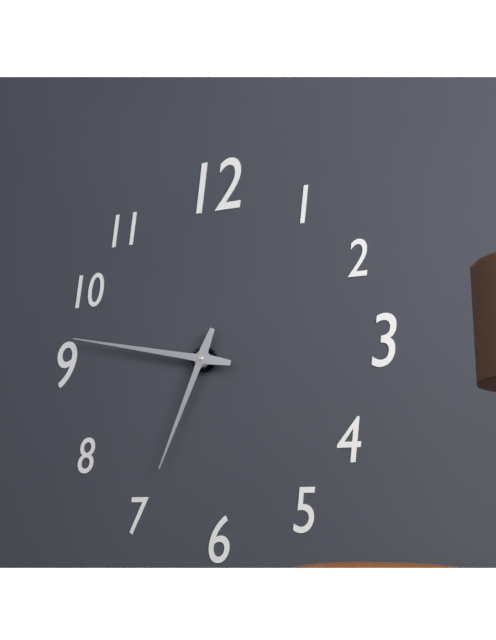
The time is **6:47**
